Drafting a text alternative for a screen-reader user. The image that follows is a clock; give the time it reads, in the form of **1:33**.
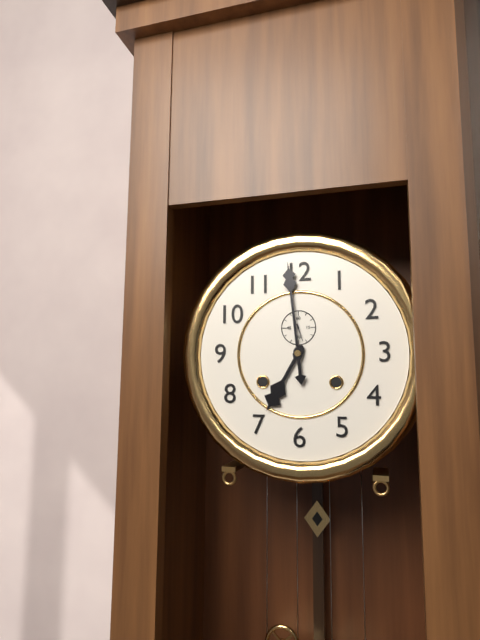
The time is **6:59**
